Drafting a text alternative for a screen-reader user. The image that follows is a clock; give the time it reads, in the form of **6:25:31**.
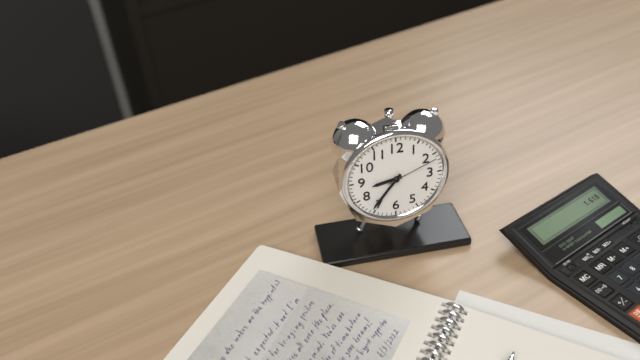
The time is **8:36:11**
